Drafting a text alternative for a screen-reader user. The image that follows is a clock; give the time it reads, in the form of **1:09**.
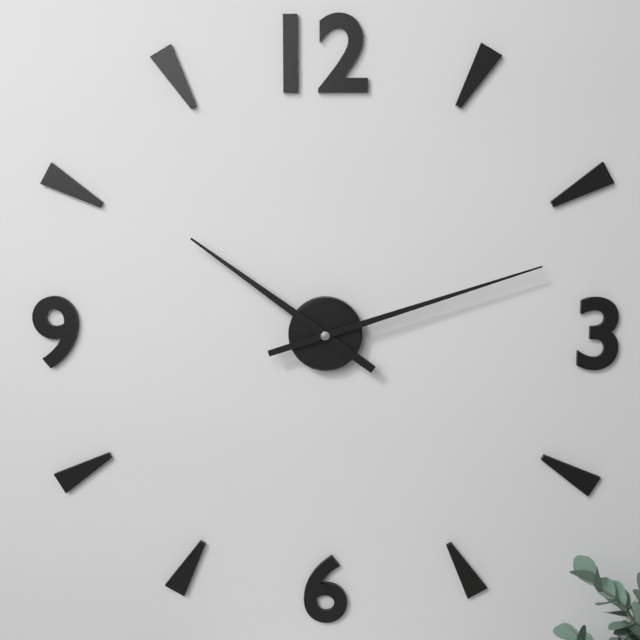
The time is **10:12**
